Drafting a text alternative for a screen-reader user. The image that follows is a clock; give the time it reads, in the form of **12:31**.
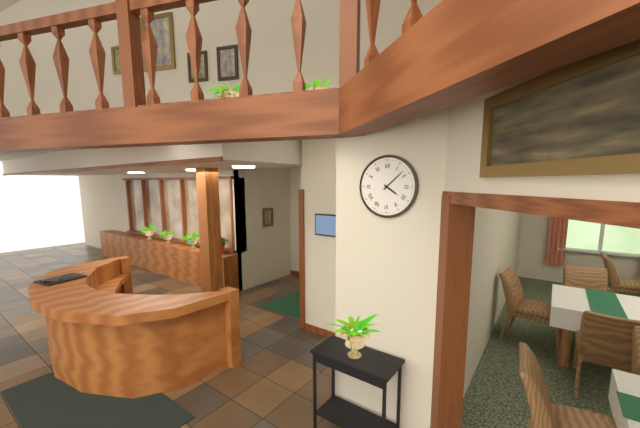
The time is **4:08**
